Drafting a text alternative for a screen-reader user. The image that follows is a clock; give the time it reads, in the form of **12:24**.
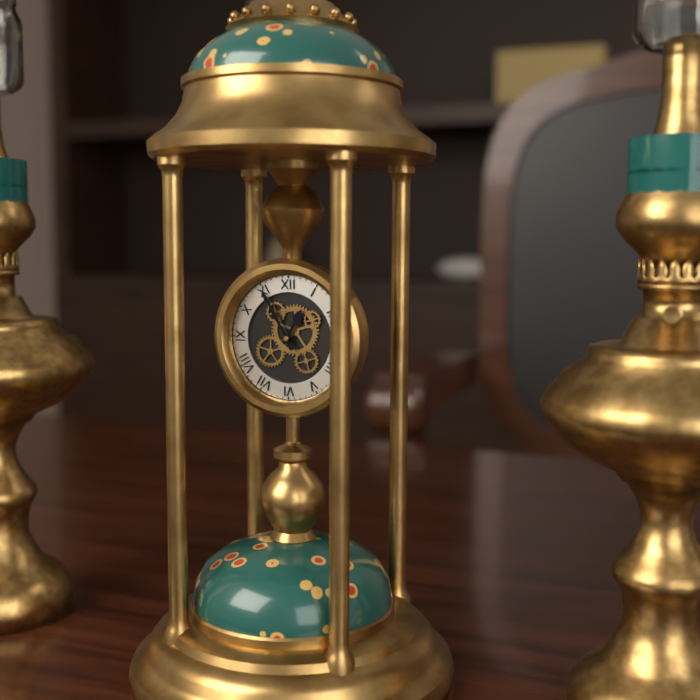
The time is **12:55**
